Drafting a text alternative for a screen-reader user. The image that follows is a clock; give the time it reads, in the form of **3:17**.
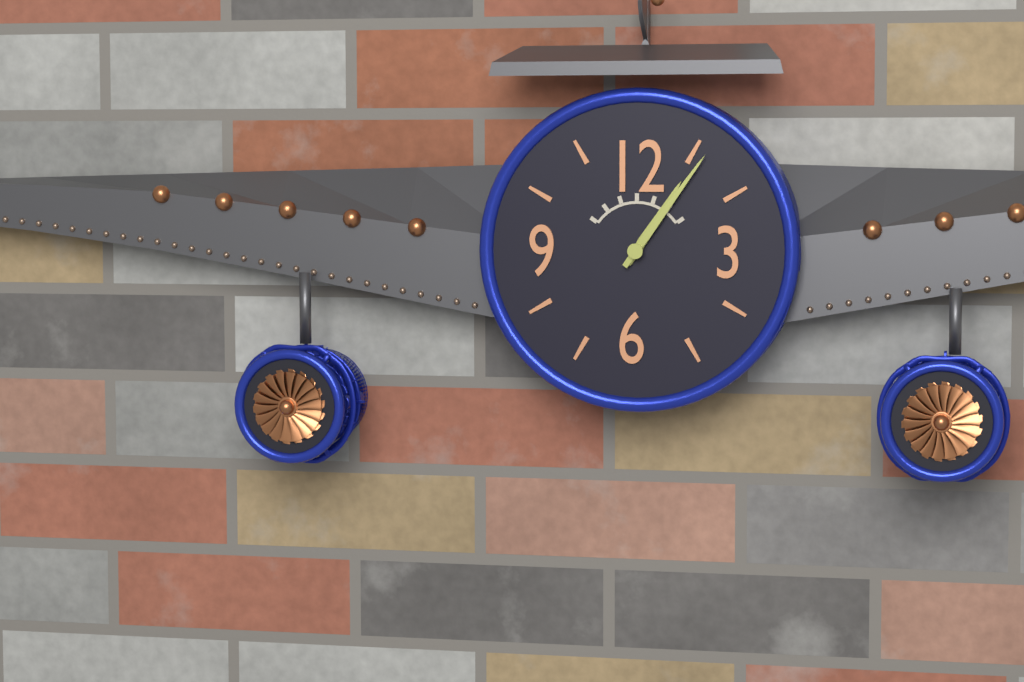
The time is **1:06**
